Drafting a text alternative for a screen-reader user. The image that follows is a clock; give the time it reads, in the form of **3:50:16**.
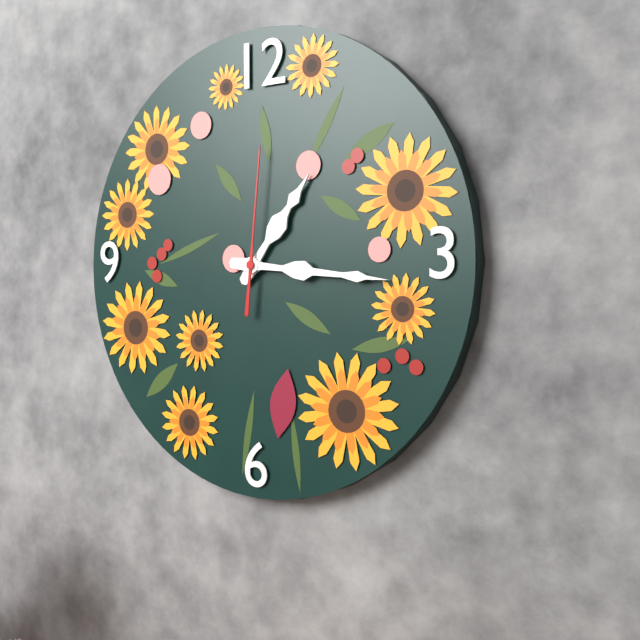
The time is **1:16:01**
